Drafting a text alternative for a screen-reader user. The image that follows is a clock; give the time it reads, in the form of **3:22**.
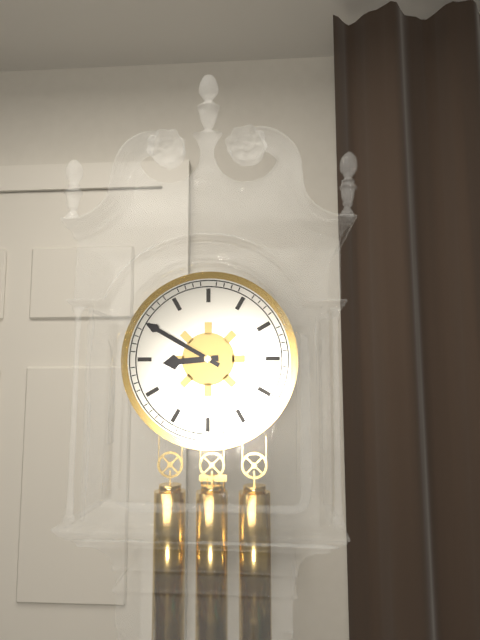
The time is **8:50**
